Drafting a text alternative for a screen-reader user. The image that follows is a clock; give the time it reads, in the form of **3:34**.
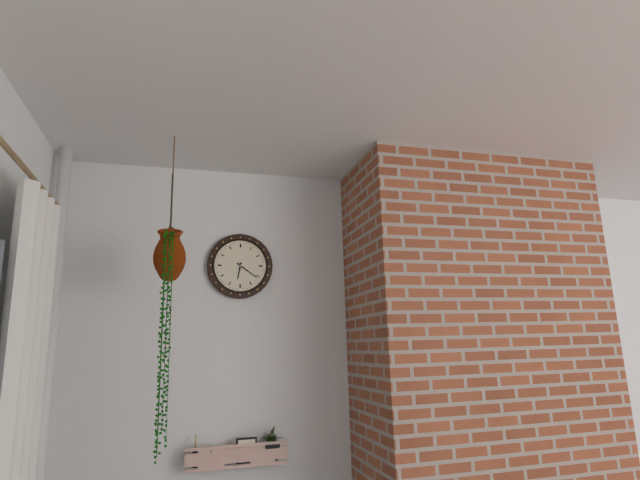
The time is **6:21**
